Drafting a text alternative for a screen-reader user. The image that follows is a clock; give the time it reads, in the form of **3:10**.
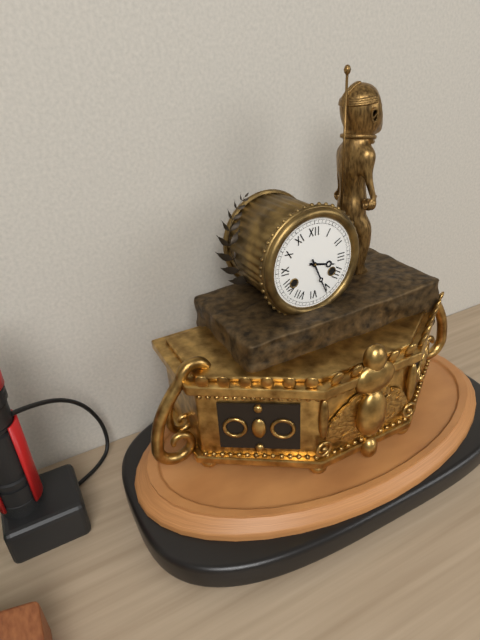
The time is **3:26**
